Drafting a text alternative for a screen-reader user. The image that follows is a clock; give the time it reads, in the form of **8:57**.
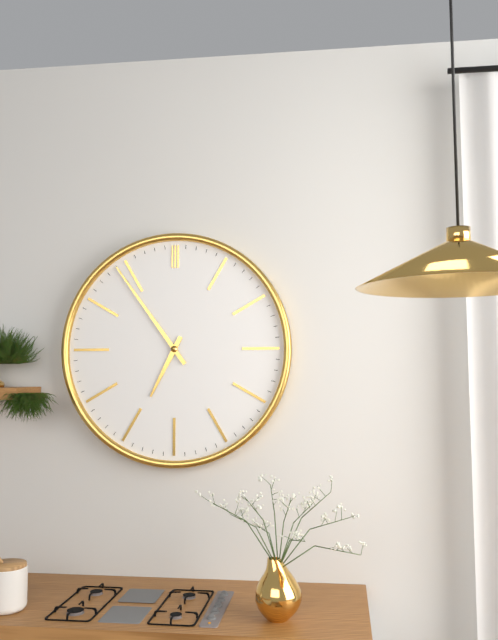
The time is **6:54**
